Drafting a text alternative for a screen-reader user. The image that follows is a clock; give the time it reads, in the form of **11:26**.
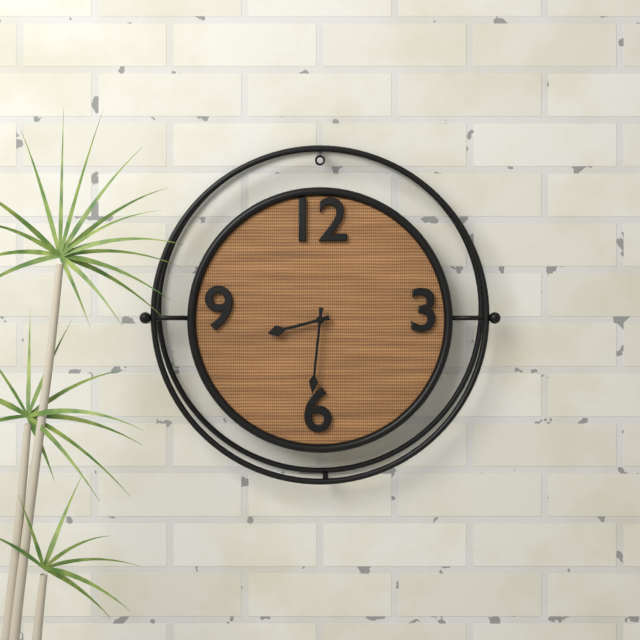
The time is **8:31**
